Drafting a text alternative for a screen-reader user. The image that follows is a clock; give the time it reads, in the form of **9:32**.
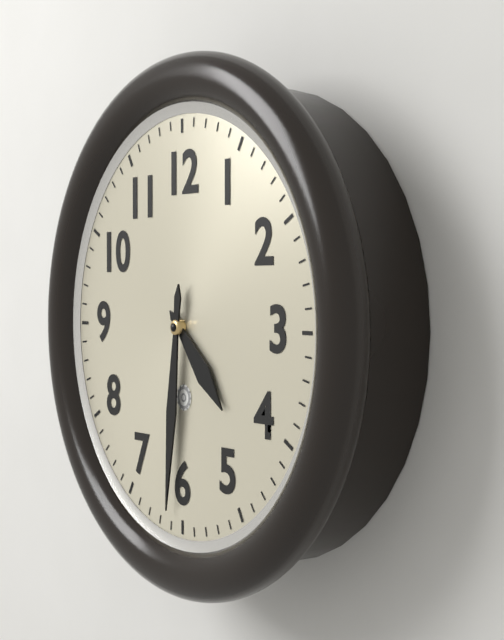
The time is **4:31**
